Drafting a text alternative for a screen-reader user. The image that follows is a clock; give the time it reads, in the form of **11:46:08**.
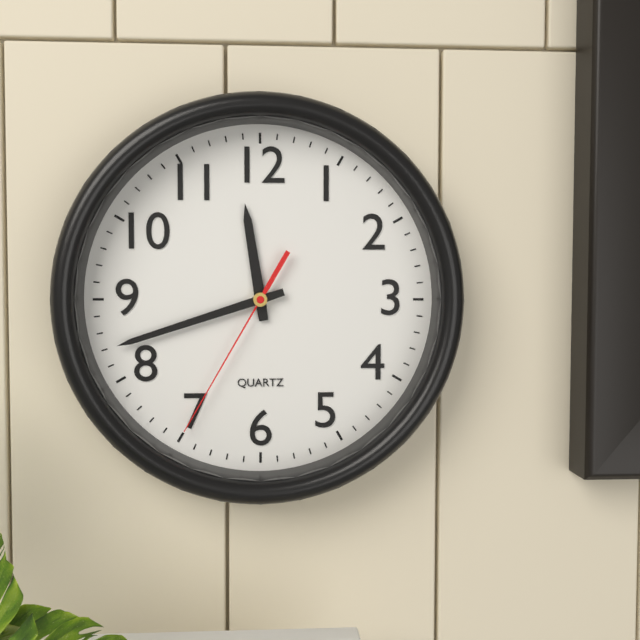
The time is **11:42:35**
